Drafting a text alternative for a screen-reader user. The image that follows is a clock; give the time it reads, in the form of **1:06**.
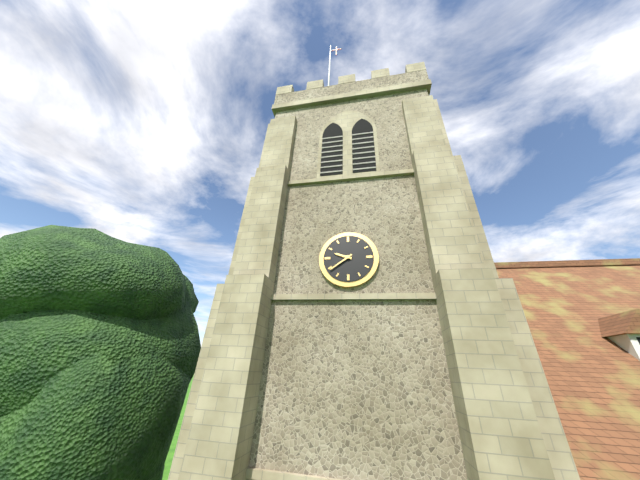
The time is **9:39**
